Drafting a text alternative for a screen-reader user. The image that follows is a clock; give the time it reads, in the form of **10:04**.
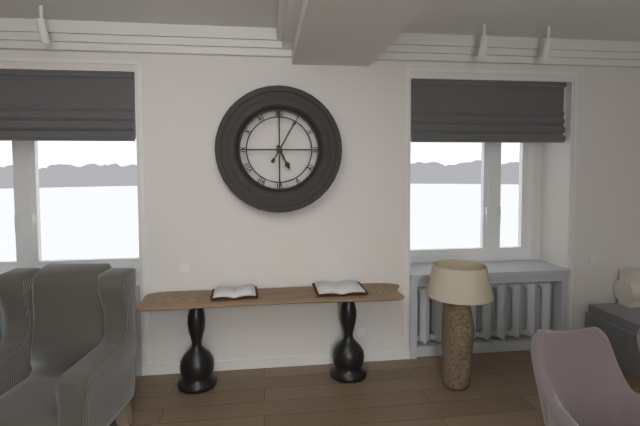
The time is **5:05**
